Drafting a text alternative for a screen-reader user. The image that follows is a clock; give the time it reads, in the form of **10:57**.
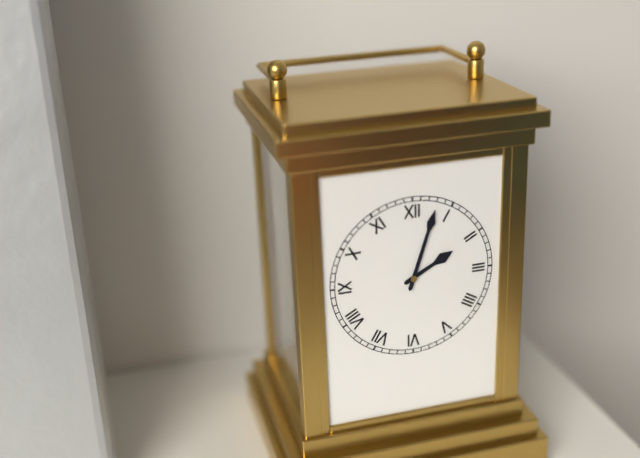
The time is **2:03**
